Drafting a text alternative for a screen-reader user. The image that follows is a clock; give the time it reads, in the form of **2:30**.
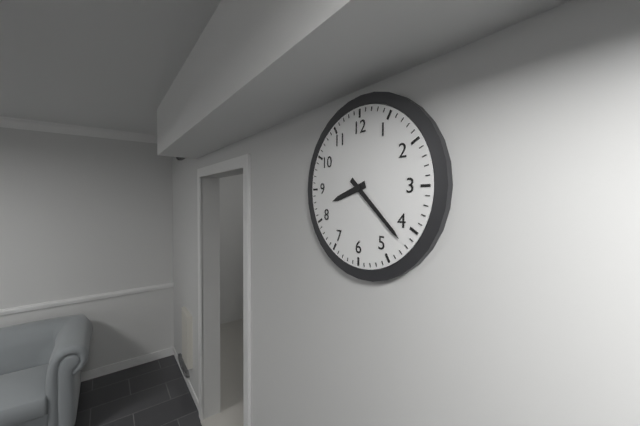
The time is **8:22**
